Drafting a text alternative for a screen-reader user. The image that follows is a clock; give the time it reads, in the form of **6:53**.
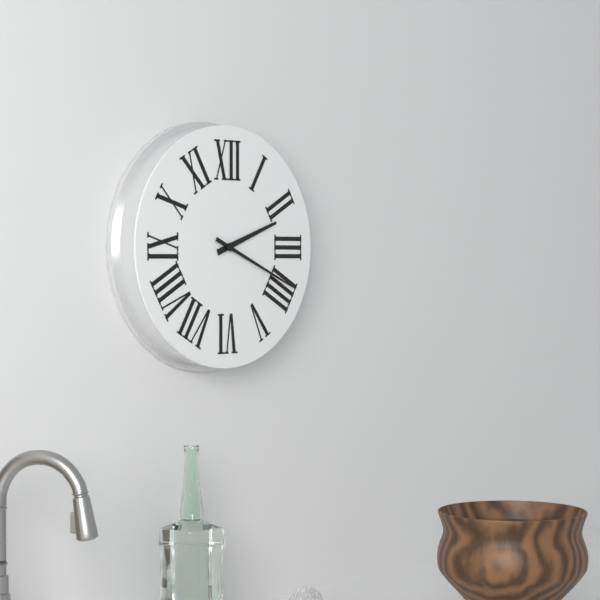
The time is **2:19**
